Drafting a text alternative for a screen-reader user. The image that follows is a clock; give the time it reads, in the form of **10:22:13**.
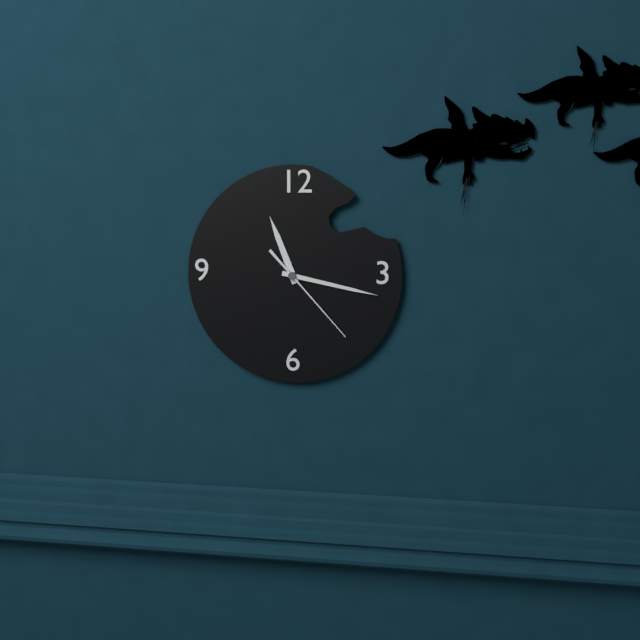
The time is **11:17:23**
